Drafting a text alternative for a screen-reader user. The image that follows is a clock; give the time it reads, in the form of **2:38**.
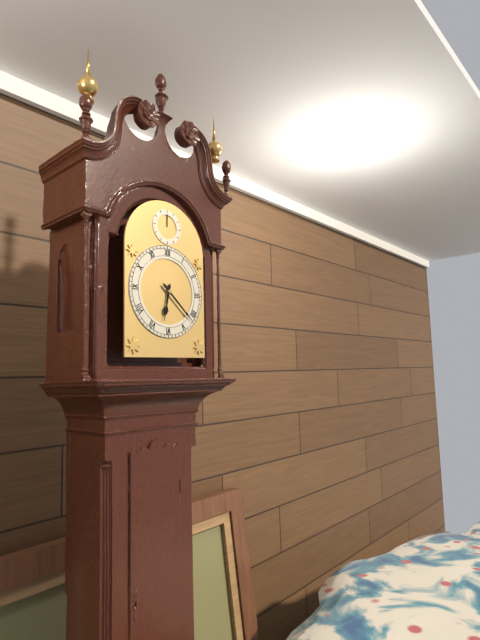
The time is **6:22**
